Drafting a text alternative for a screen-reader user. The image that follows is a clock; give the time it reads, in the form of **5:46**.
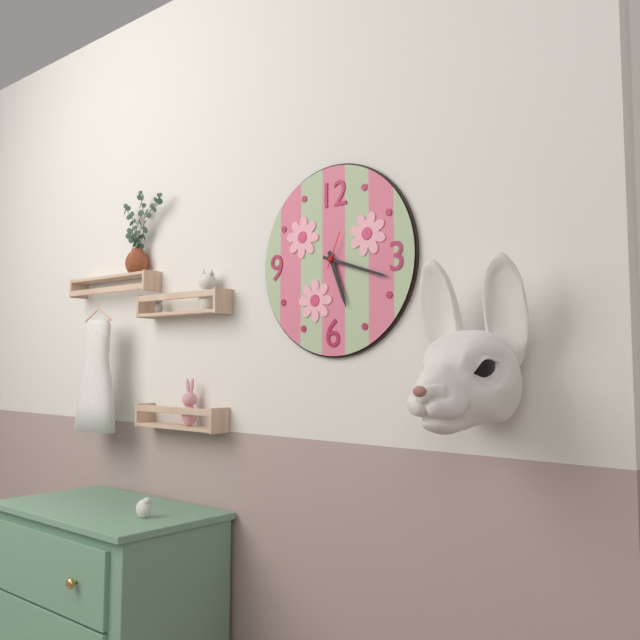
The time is **5:18**
